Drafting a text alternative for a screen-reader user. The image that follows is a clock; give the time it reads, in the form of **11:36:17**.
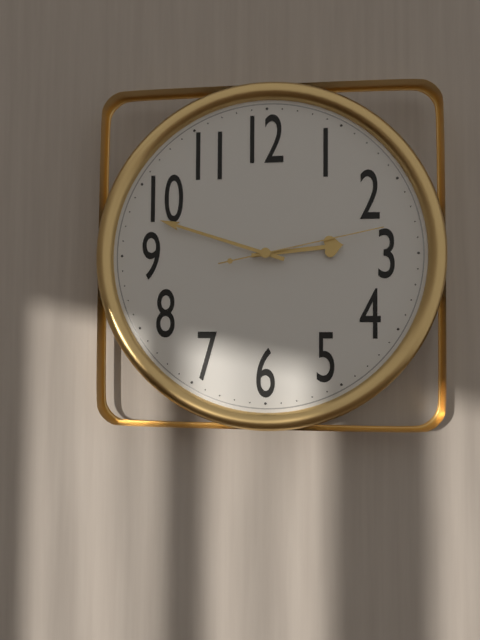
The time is **2:48:13**
